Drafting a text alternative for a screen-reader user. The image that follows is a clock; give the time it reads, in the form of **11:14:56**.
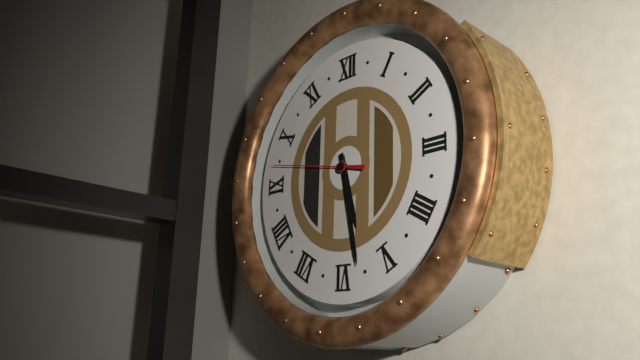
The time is **5:28:47**
